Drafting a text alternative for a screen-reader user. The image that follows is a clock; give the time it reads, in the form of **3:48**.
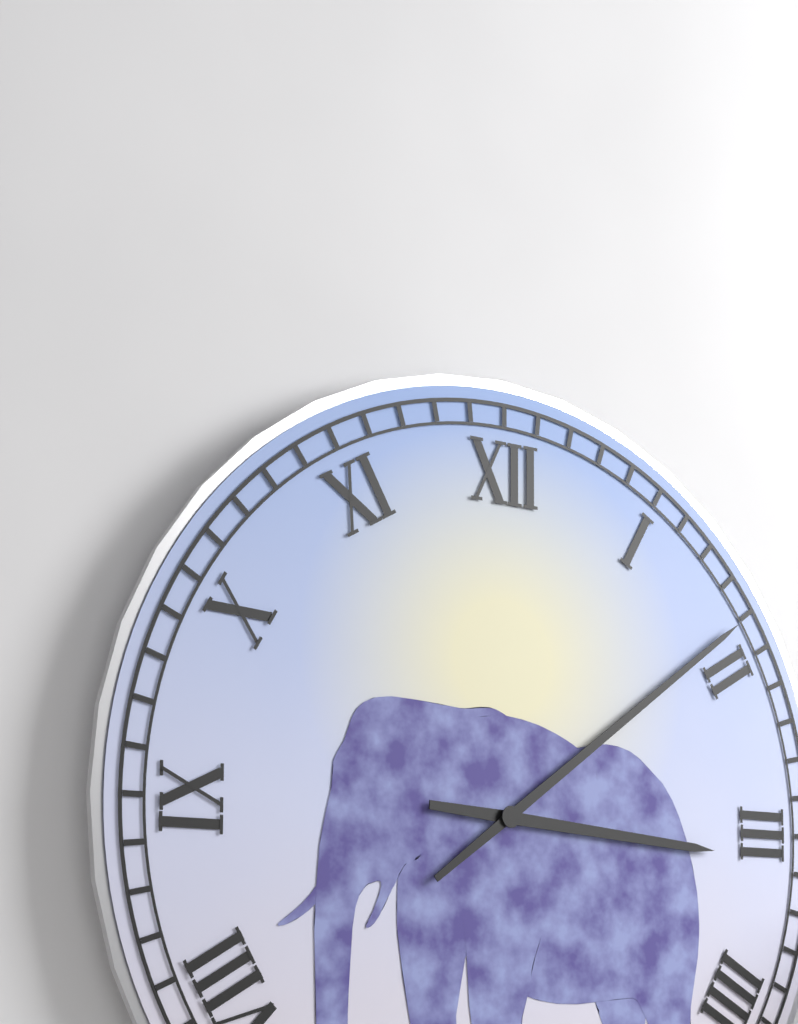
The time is **3:09**
